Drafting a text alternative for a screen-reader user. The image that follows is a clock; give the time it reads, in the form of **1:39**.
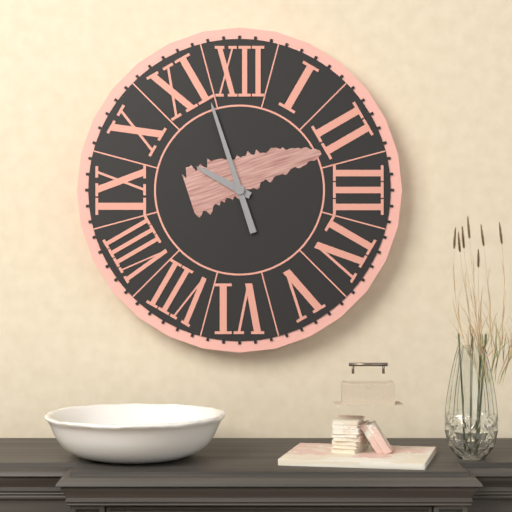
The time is **9:57**
